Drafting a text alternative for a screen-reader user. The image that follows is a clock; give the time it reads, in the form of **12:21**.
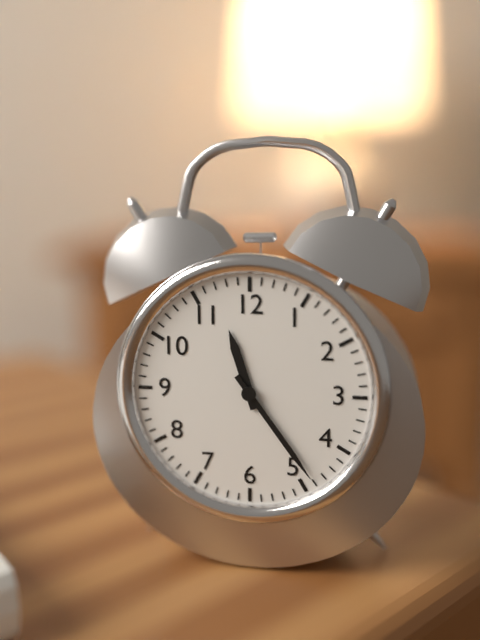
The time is **11:24**
